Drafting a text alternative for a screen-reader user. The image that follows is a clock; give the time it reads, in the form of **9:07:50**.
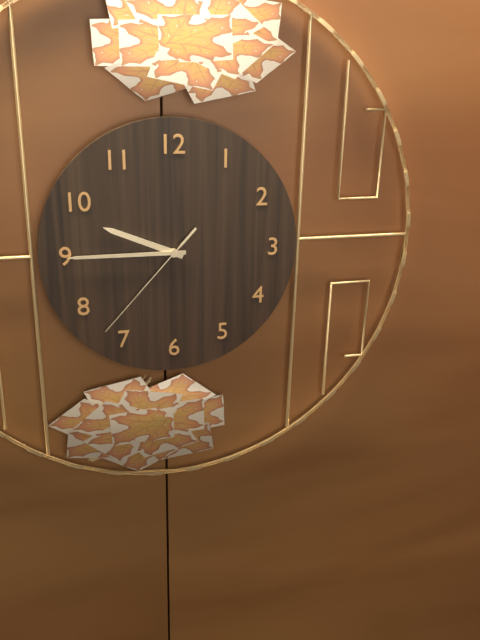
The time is **9:45:37**
